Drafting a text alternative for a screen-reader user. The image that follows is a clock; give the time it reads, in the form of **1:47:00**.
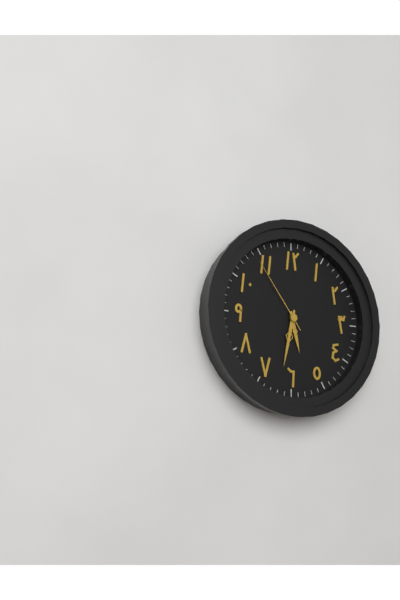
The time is **5:32:54**
